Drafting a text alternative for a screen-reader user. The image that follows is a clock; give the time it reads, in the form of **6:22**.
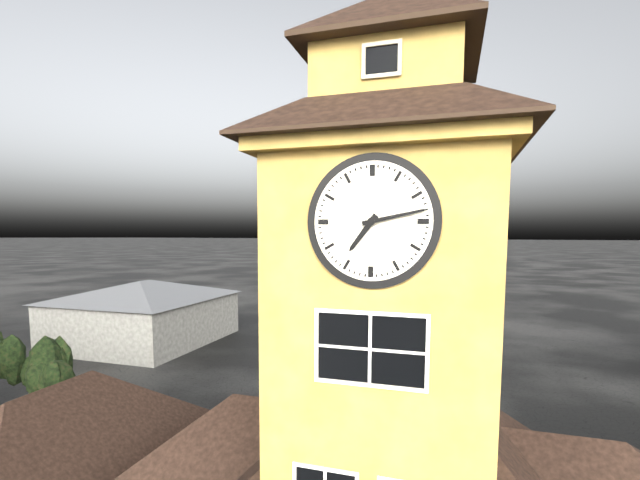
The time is **7:13**
